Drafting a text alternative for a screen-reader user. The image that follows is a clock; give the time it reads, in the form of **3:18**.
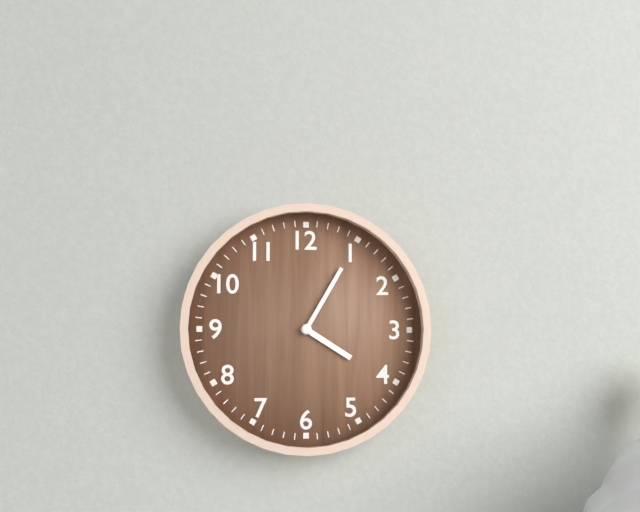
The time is **4:05**
